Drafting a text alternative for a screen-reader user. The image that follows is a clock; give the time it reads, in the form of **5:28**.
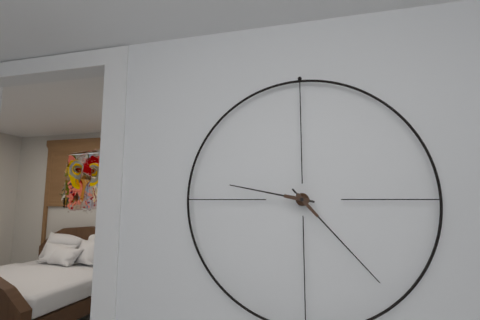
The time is **9:23**
